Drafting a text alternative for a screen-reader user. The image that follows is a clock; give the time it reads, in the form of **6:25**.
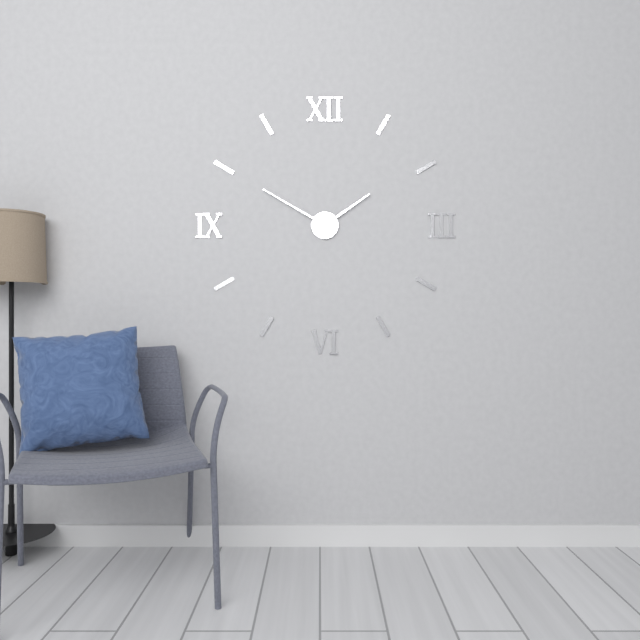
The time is **1:50**
